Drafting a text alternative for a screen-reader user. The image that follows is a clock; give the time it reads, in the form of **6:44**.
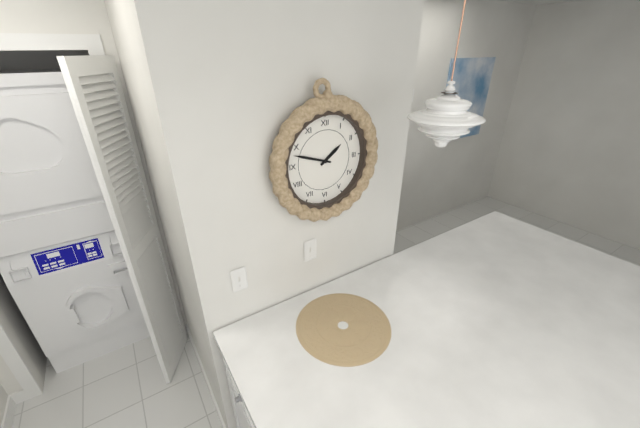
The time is **1:48**
